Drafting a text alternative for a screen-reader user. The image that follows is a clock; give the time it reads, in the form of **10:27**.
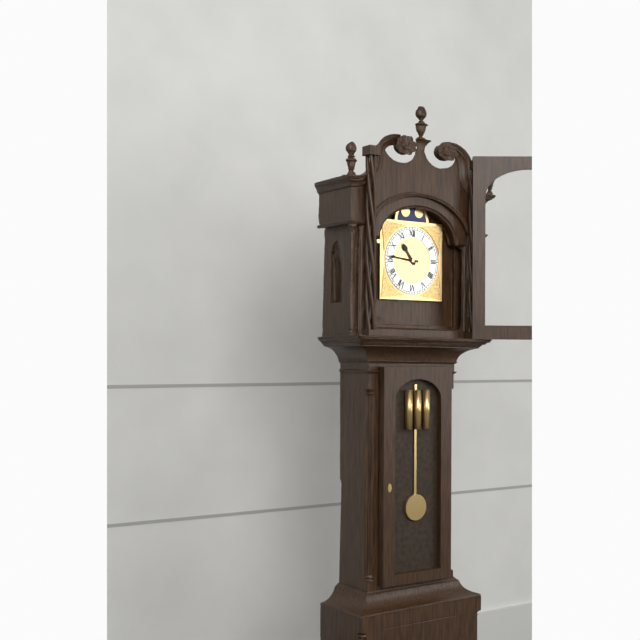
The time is **10:46**
